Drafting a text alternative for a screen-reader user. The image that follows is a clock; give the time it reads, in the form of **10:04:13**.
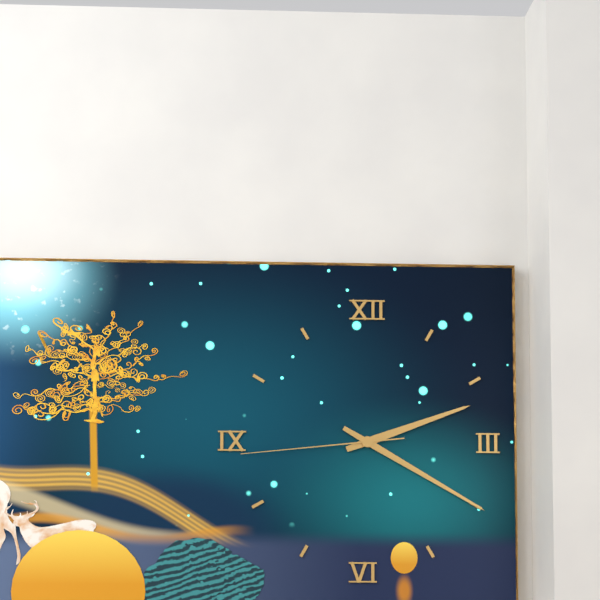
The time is **2:20:44**
